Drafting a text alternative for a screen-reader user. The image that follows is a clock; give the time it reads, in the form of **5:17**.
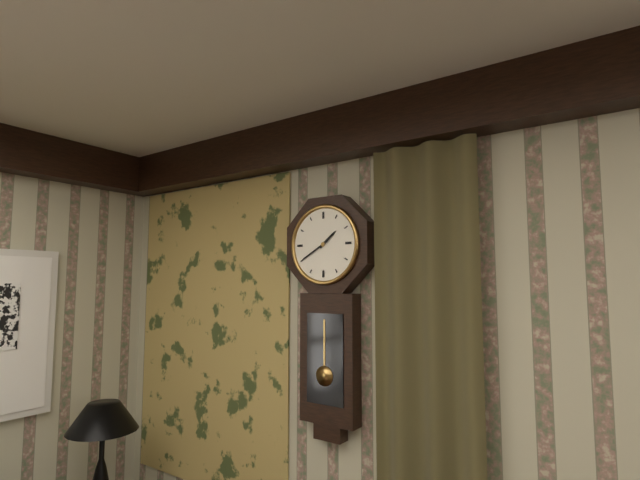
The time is **1:40**
